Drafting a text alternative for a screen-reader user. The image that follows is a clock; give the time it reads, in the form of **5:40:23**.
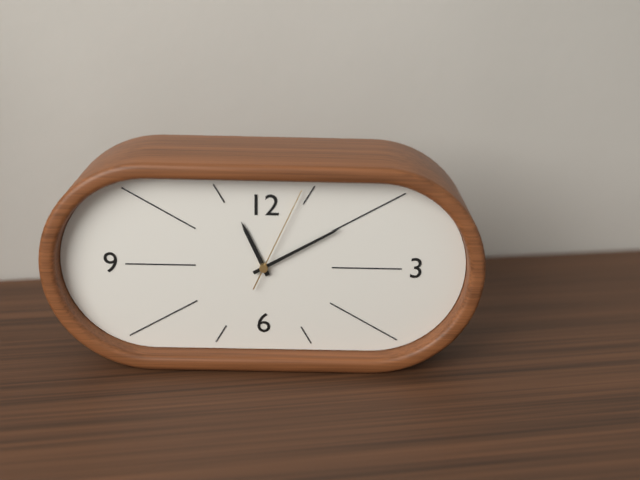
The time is **11:10:04**
